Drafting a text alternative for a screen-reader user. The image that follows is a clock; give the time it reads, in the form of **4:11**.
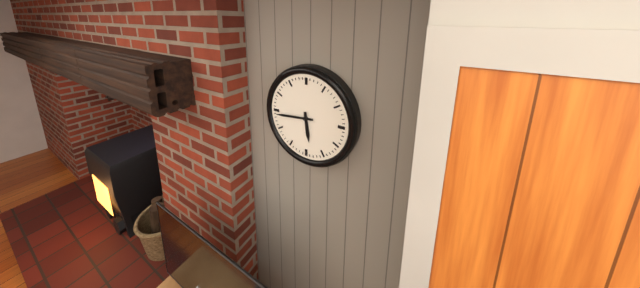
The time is **5:44**
